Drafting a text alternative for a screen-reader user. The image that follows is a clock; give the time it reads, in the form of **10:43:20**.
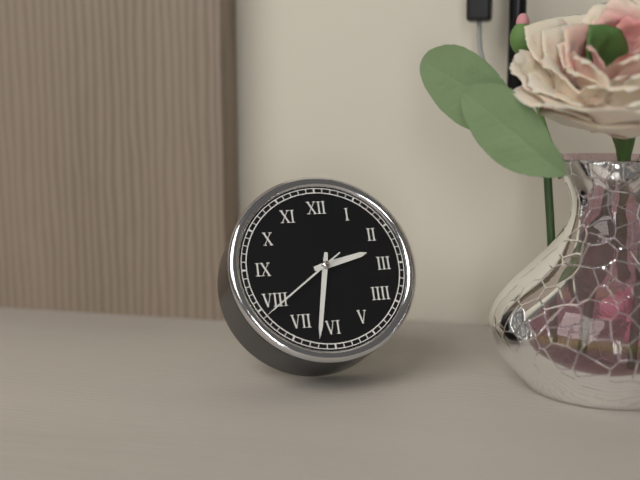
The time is **2:32:39**
